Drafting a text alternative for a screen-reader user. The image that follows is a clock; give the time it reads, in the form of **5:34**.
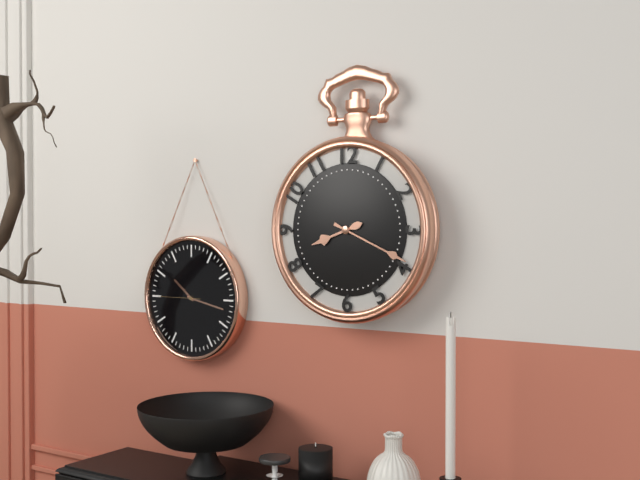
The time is **8:19**
